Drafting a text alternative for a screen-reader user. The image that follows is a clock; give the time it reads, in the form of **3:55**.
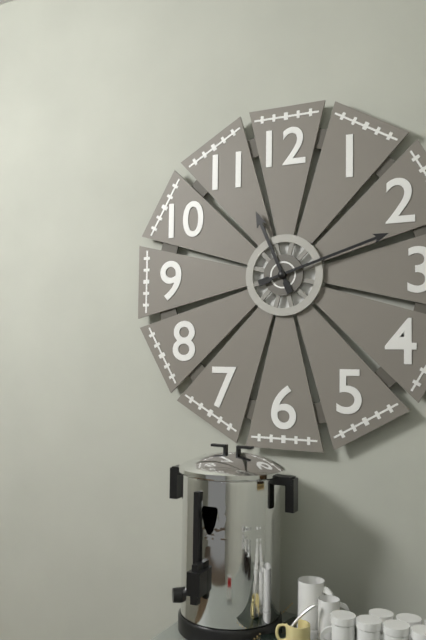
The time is **11:12**
